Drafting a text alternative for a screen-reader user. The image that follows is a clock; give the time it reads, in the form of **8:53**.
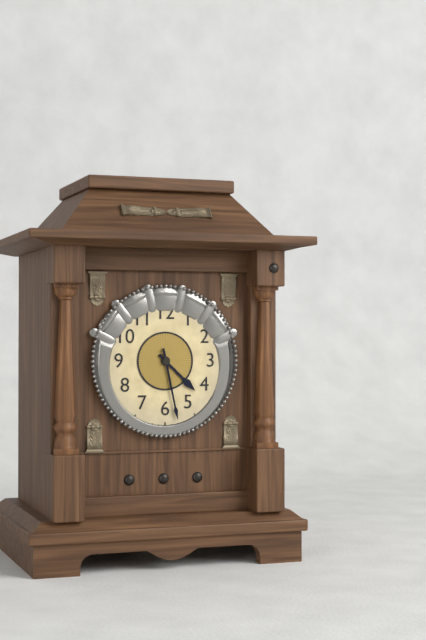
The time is **4:28**
